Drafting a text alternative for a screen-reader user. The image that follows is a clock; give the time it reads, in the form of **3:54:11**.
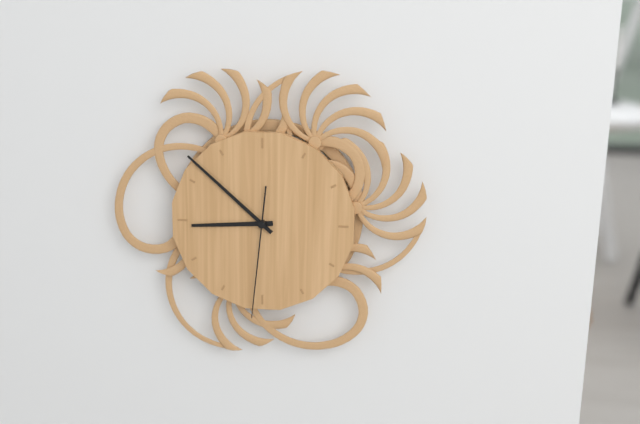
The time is **8:52:31**
